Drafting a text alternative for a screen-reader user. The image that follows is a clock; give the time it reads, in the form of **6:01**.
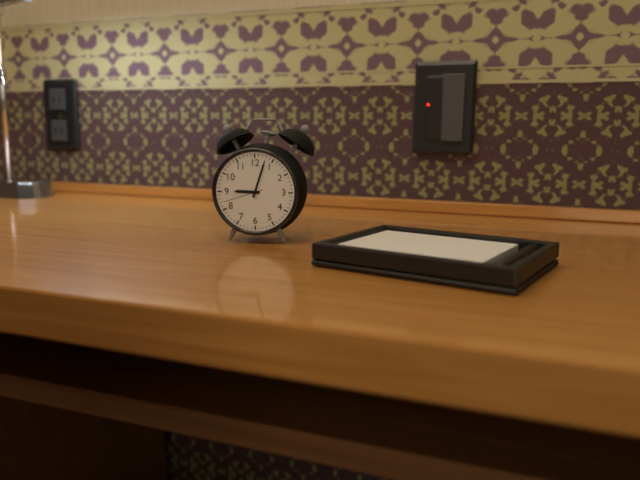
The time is **9:03**
